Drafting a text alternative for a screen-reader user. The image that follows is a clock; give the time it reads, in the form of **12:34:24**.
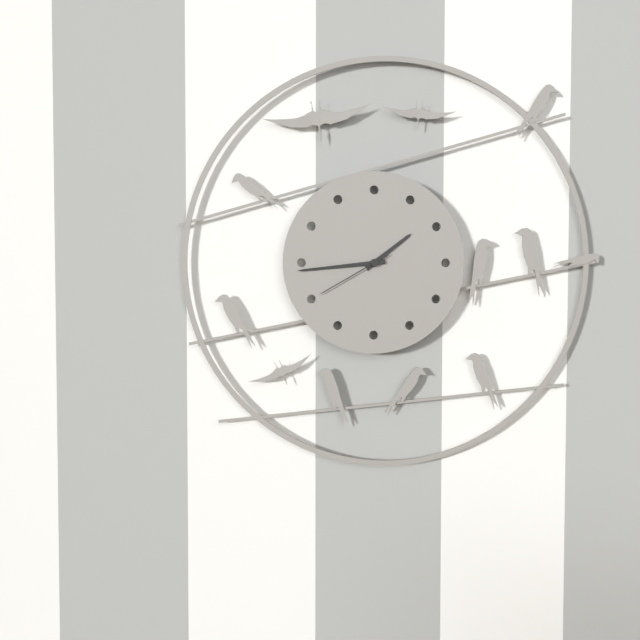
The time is **1:44:40**
